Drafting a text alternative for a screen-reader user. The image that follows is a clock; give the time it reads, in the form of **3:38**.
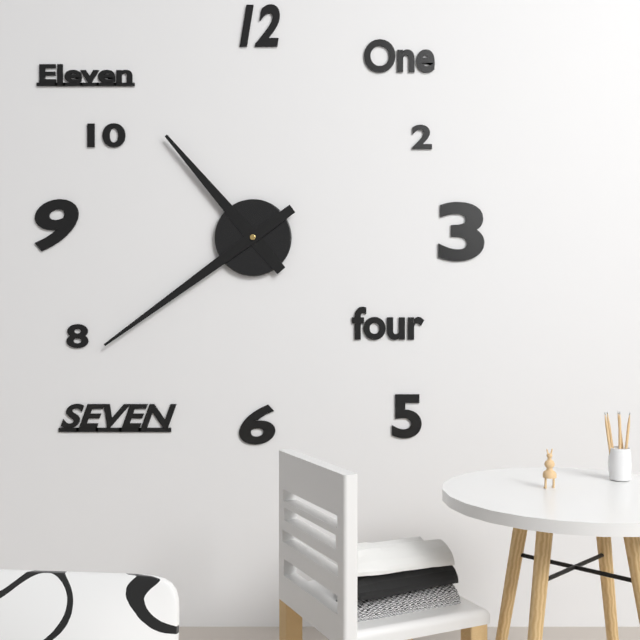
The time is **10:39**
